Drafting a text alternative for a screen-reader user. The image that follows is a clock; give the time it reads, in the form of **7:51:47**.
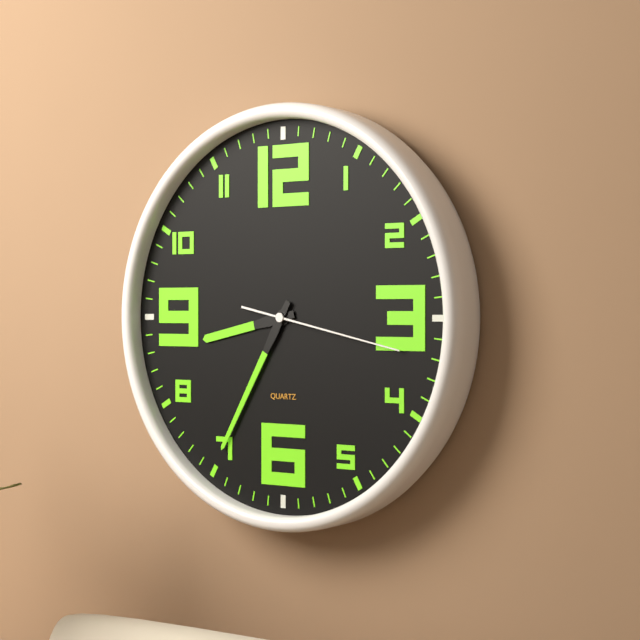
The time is **8:35:17**
